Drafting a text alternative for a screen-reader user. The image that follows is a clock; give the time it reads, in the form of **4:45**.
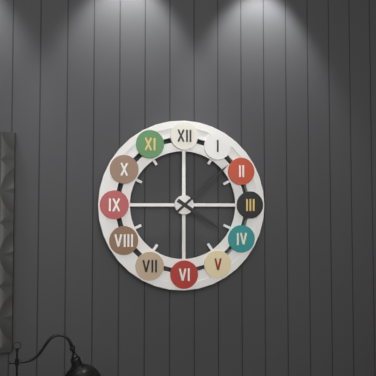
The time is **4:08**
